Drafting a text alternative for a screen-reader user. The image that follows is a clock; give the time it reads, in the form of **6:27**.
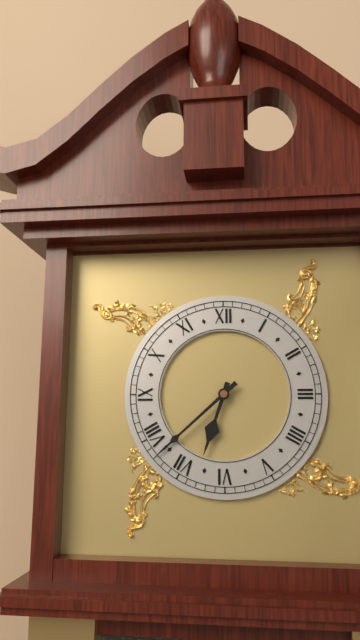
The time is **6:38**
